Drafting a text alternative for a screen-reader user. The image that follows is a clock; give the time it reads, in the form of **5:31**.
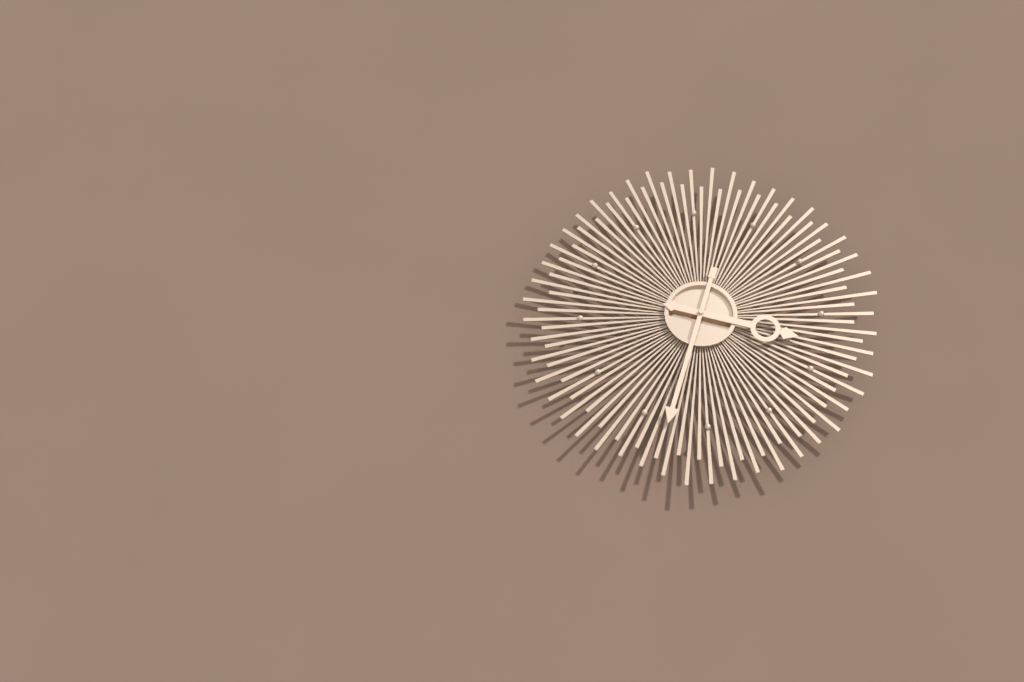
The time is **3:33**
